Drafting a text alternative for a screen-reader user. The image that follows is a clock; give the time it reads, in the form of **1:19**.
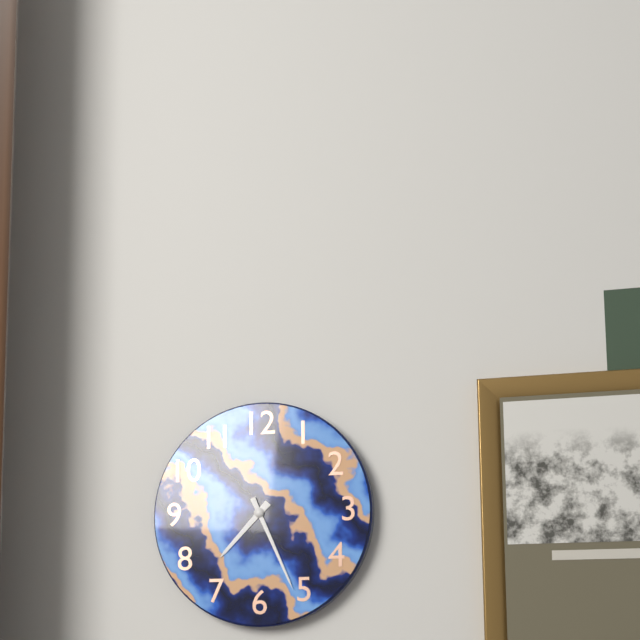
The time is **7:26**
